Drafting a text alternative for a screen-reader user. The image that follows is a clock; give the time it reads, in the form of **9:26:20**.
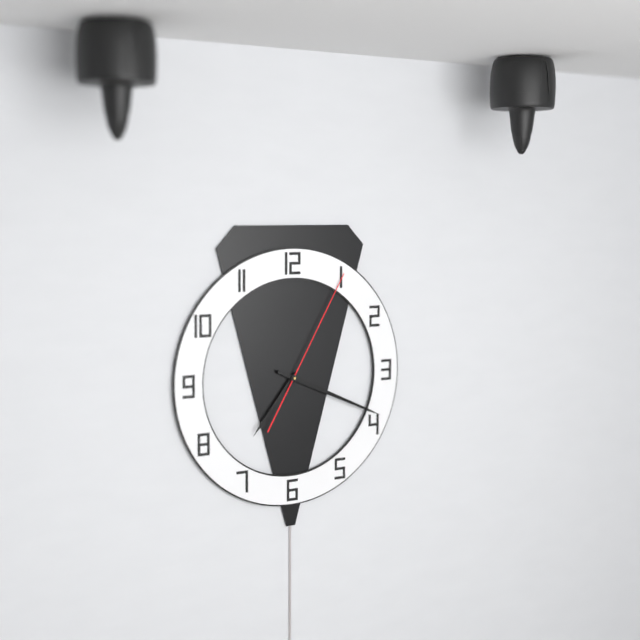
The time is **7:19:05**
